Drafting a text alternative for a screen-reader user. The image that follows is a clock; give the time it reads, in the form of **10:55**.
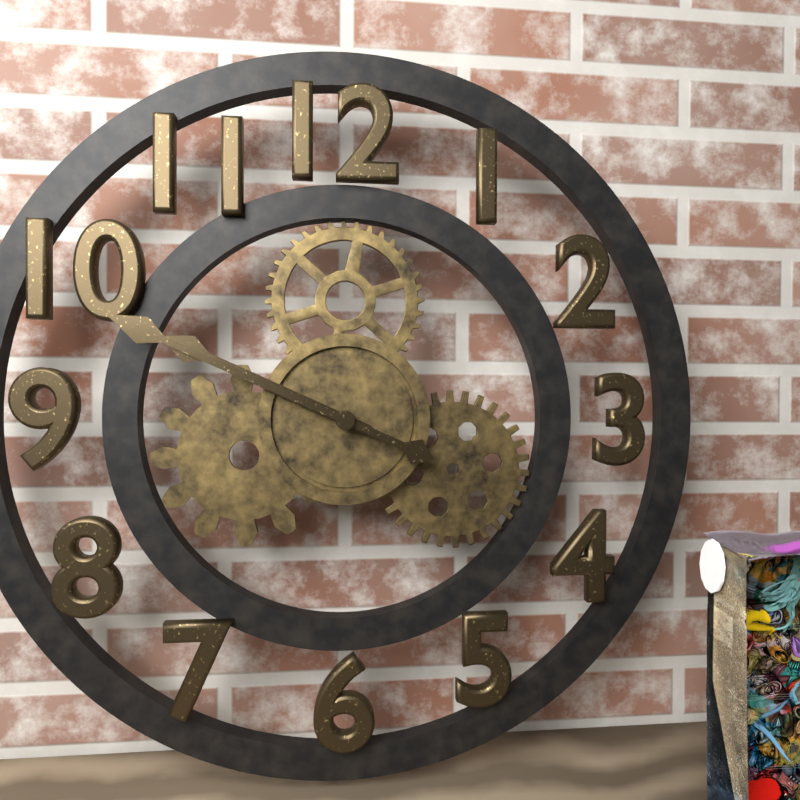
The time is **9:49**
